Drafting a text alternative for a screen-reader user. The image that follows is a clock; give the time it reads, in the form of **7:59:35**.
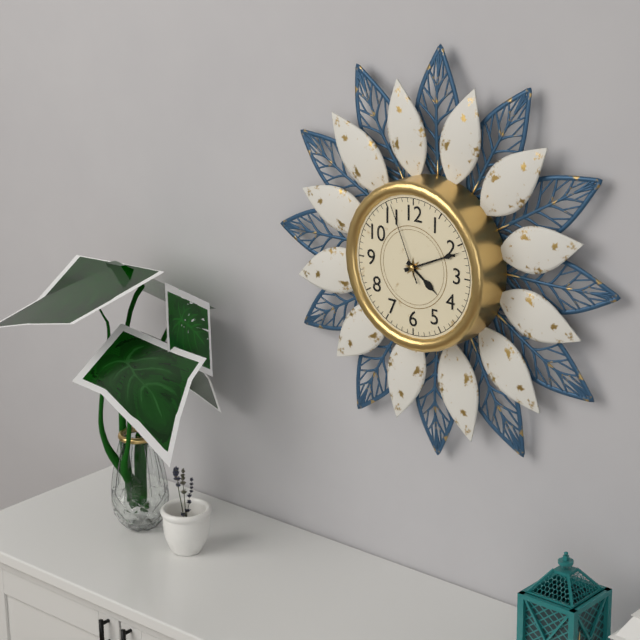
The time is **4:11:56**
